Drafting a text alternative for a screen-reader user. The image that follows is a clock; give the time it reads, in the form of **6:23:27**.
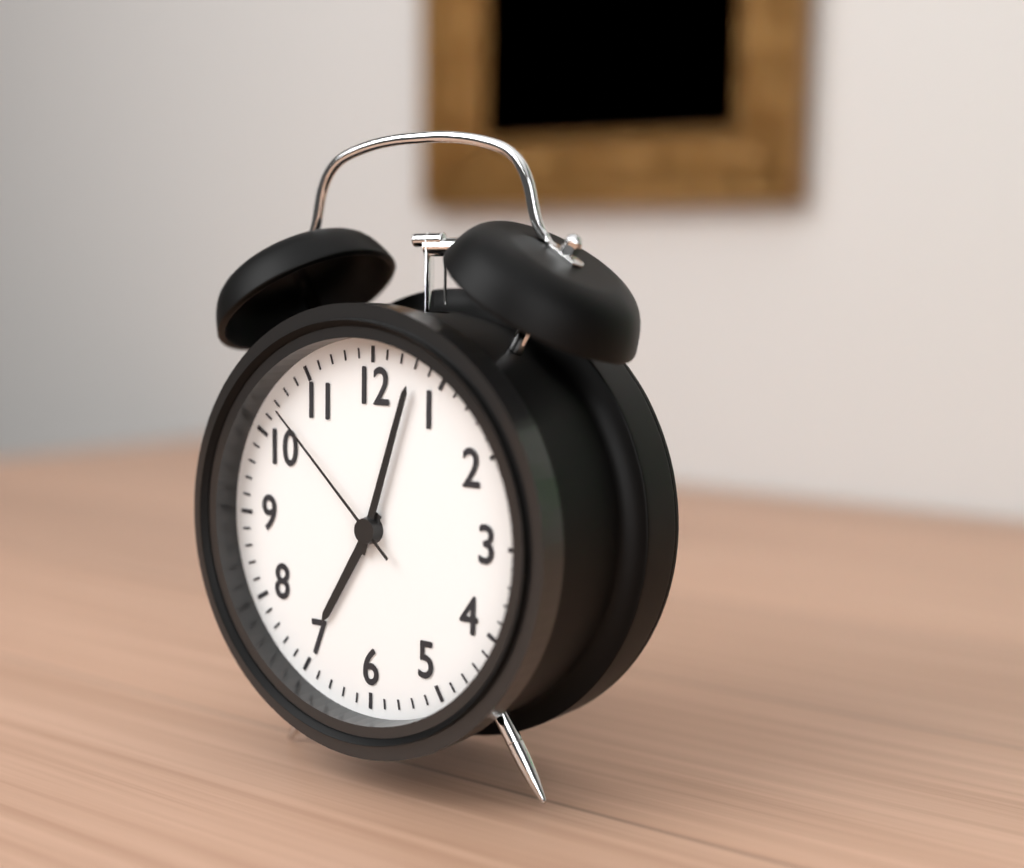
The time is **7:03:52**
